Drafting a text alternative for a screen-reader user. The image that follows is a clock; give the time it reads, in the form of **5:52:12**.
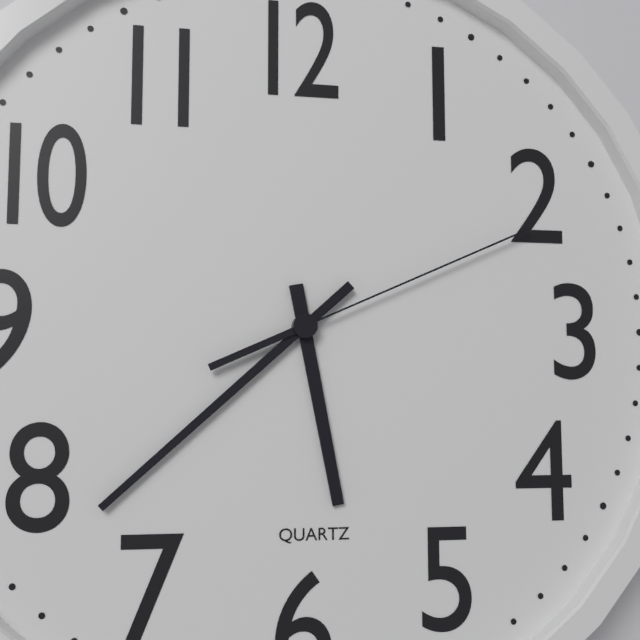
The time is **5:38:11**
